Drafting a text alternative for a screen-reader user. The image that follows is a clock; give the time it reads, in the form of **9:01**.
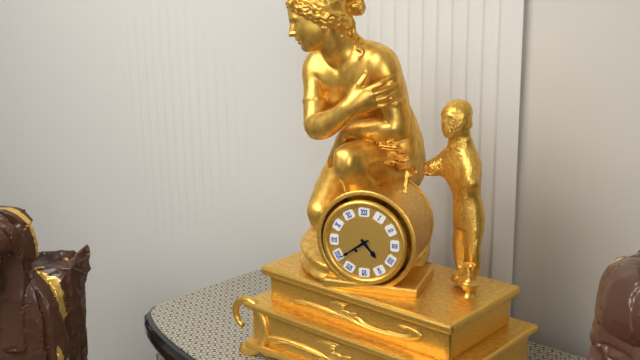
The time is **4:39**
